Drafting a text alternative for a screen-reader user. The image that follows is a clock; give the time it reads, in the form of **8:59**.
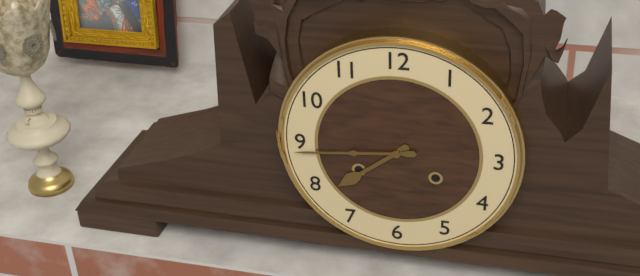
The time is **7:44**
